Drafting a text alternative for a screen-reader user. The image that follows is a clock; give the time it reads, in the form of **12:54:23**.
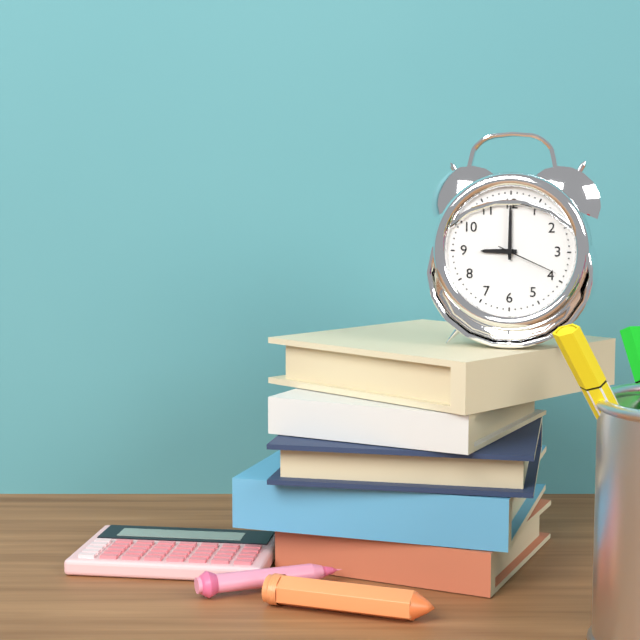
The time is **9:00:19**
